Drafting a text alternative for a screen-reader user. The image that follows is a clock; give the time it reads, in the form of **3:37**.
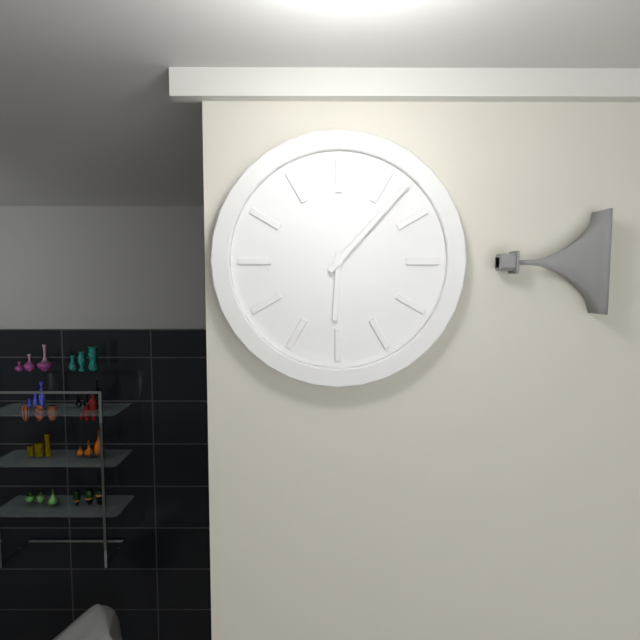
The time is **6:07**
